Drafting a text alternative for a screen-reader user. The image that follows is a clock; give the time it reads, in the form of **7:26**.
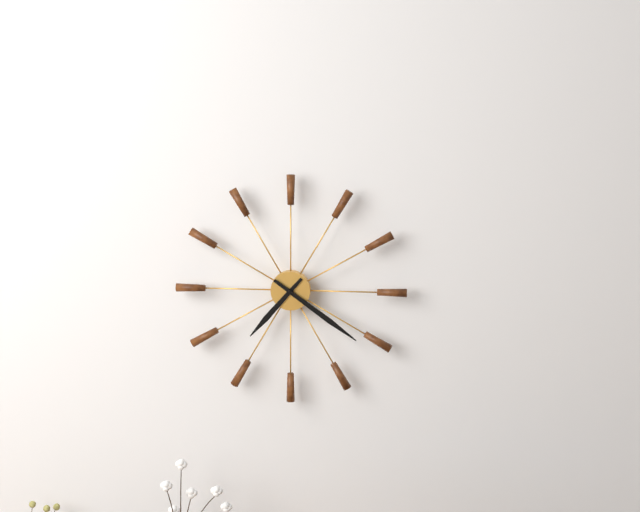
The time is **7:21**
